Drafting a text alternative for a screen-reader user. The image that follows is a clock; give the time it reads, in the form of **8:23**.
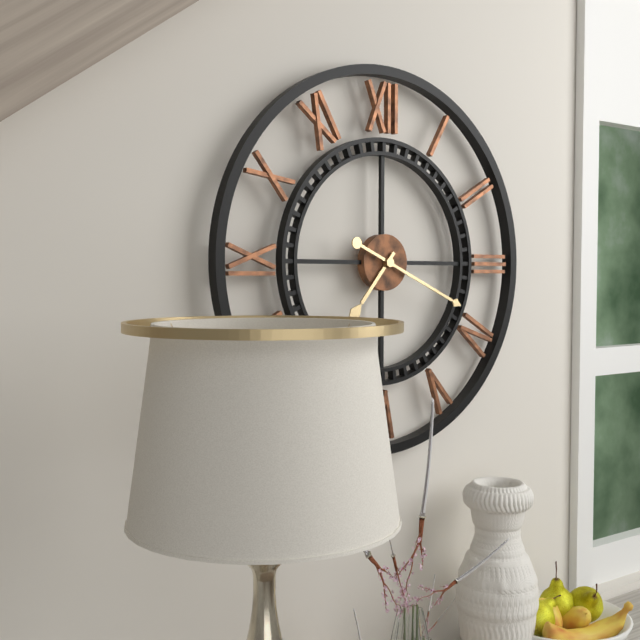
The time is **7:19**
